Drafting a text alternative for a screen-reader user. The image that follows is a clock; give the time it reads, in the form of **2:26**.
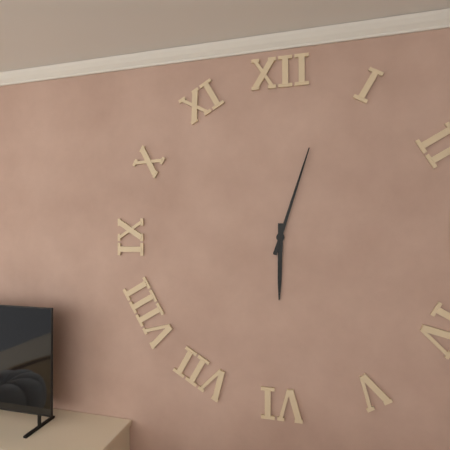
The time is **6:03**
